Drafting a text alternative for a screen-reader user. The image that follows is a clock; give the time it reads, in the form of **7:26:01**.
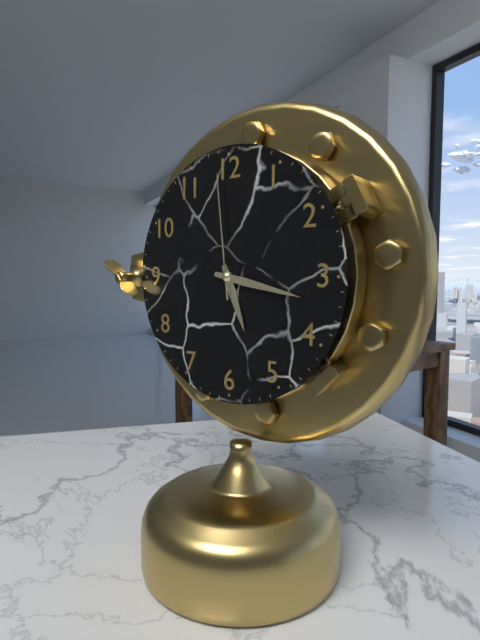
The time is **5:17:59**
